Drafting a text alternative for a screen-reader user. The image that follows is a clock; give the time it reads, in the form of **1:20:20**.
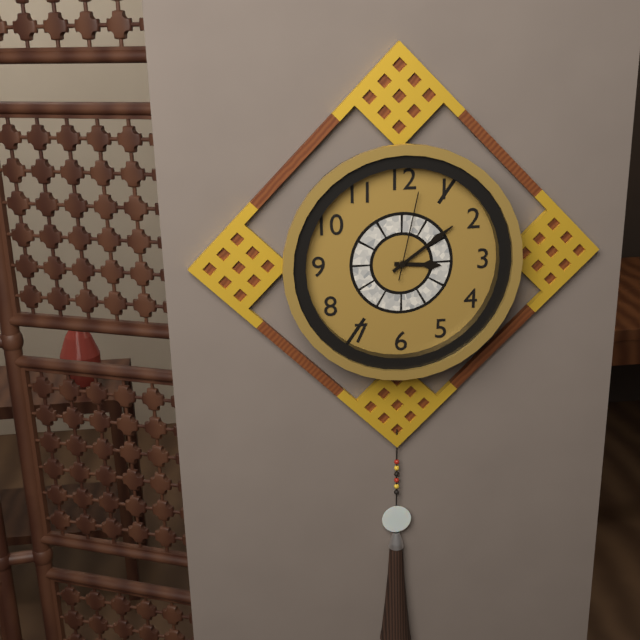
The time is **3:09:02**
